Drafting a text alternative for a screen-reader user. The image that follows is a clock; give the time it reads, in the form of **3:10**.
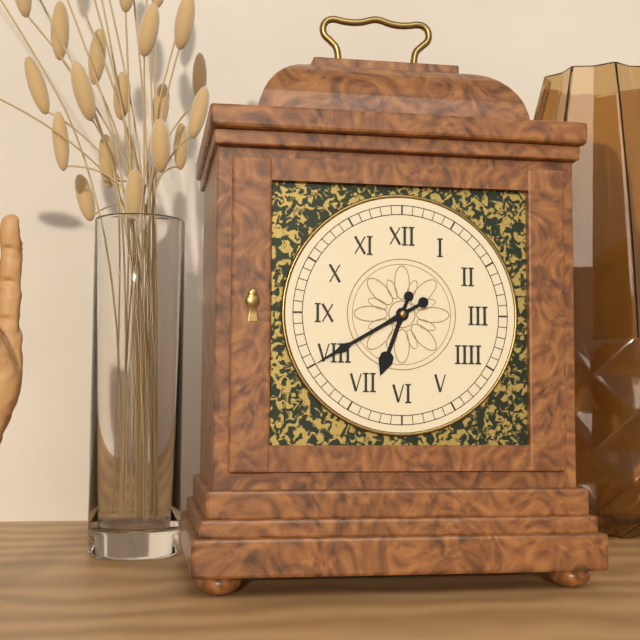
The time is **6:40**
